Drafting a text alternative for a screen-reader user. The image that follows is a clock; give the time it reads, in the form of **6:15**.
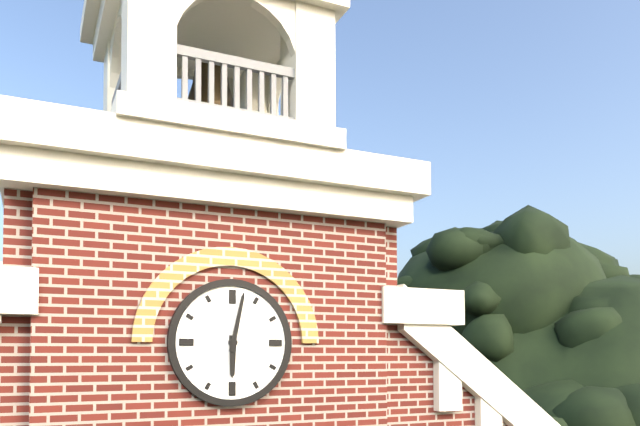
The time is **6:02**
